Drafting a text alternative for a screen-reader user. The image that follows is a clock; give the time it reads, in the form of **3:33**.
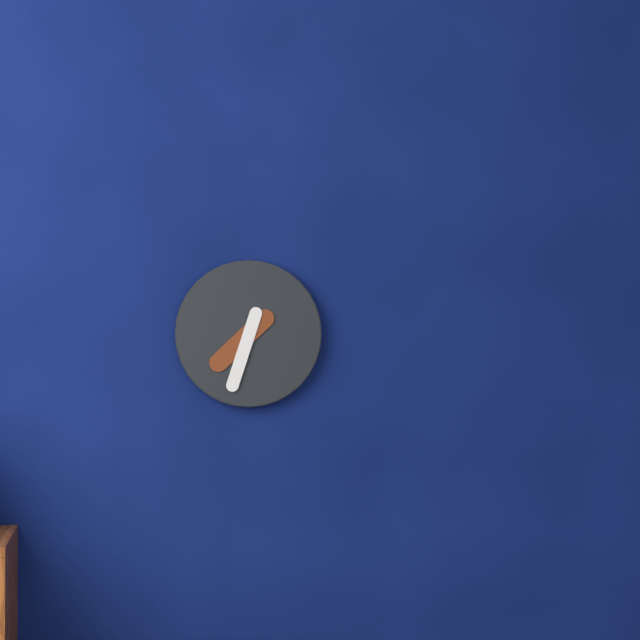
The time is **7:33**
